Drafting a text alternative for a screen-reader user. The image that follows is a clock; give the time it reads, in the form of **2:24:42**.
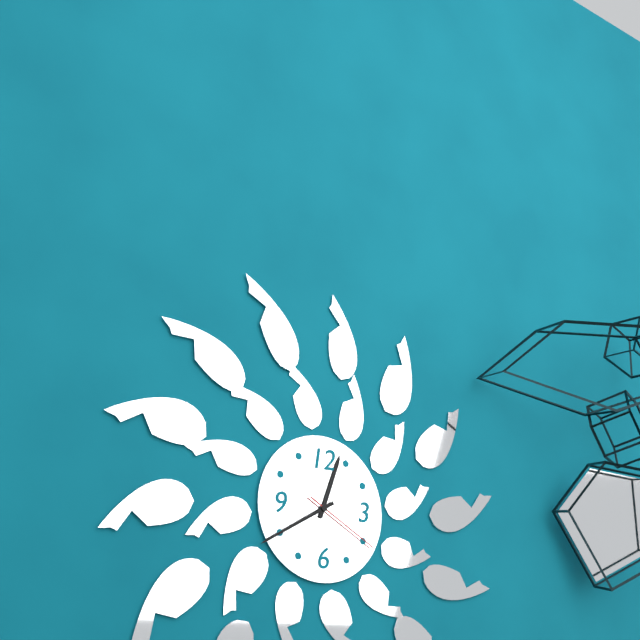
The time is **12:40:20**
